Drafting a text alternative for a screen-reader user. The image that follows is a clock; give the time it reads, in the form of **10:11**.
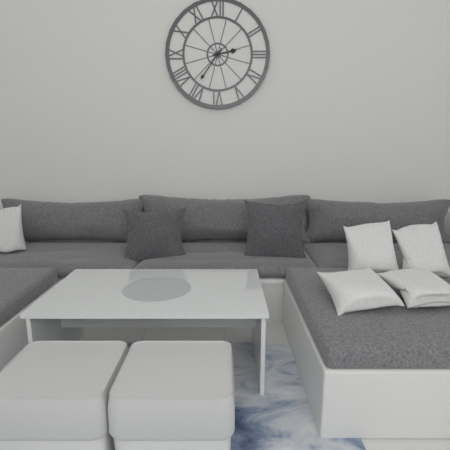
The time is **2:36**
